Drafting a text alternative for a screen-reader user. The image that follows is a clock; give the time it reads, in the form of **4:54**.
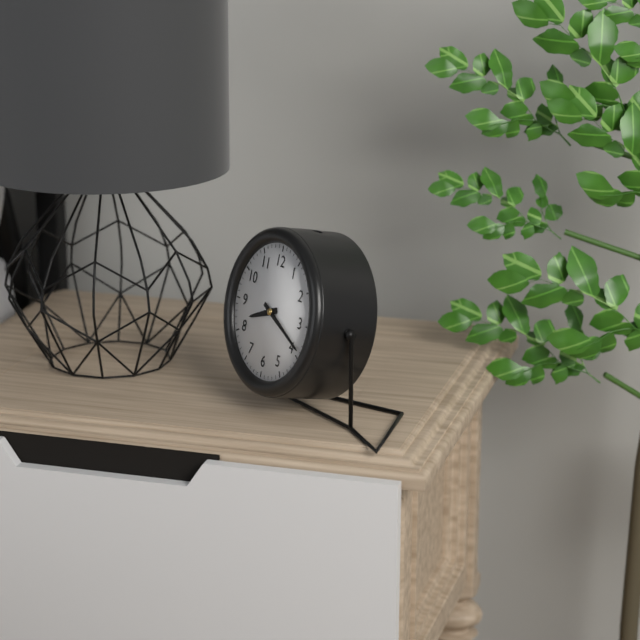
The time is **8:19**
